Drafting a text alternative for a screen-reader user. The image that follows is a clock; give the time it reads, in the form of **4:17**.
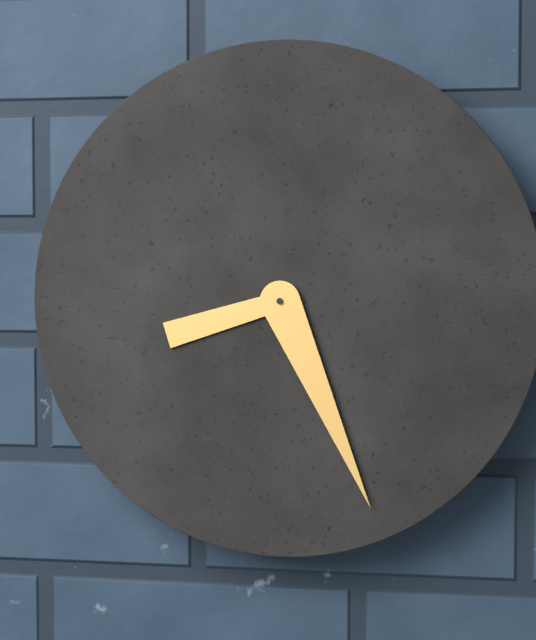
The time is **8:26**
